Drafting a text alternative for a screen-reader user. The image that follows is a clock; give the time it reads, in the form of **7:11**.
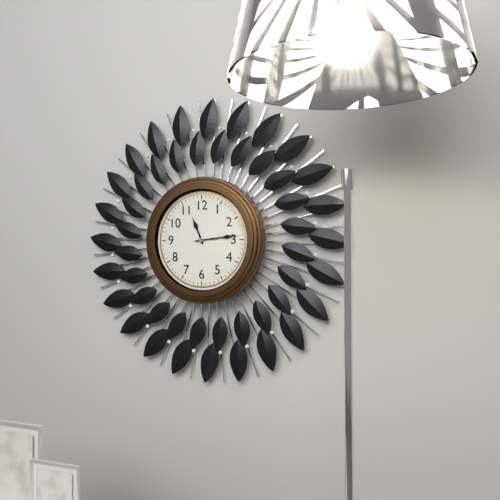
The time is **11:14**
